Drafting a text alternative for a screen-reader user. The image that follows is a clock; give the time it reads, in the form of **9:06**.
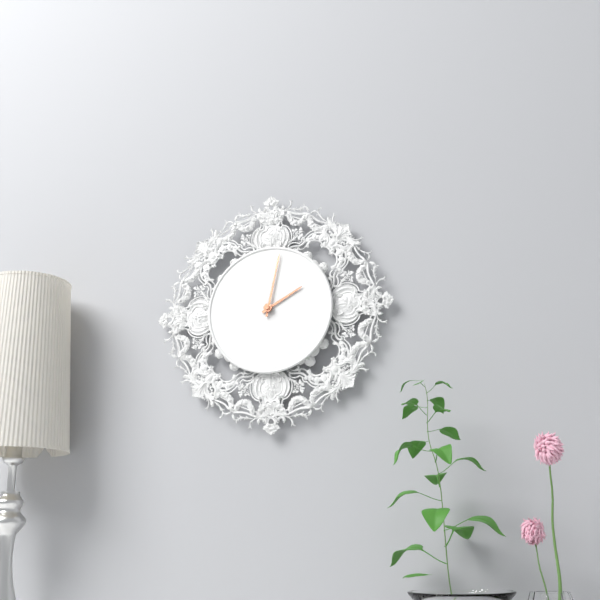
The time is **2:02**
